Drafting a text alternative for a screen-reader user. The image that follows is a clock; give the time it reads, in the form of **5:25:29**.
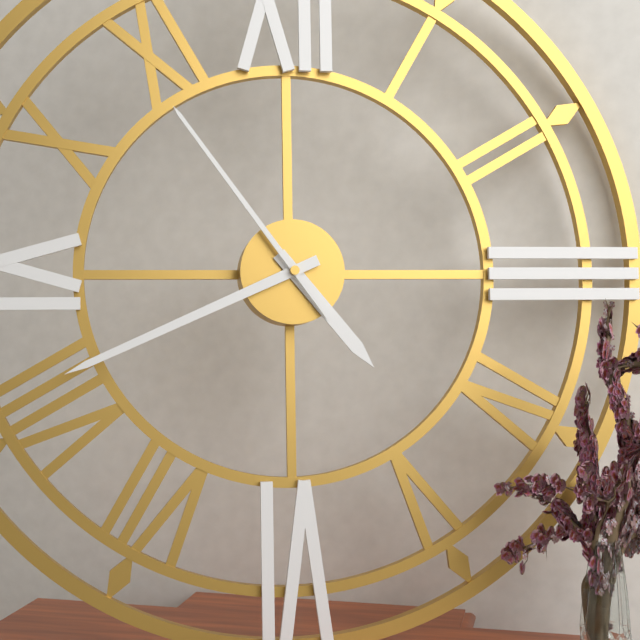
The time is **4:41:54**
